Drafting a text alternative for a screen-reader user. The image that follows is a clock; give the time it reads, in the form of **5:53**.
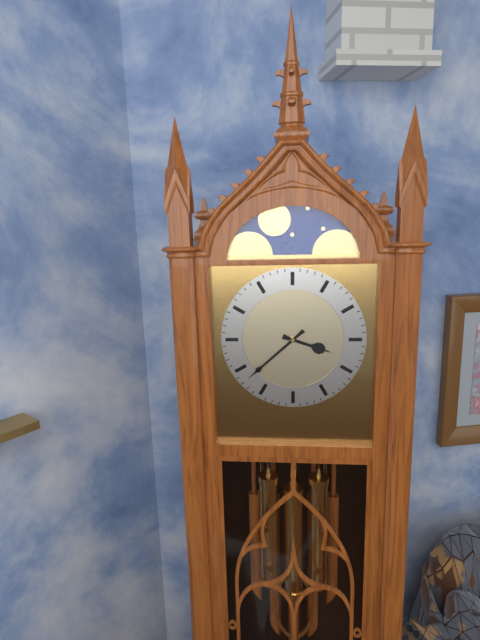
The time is **3:38**
